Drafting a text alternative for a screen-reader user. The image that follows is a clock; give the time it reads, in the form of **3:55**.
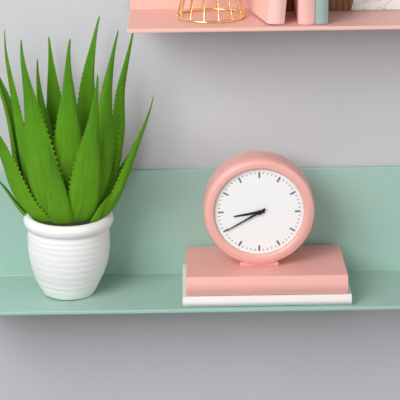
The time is **8:40**
